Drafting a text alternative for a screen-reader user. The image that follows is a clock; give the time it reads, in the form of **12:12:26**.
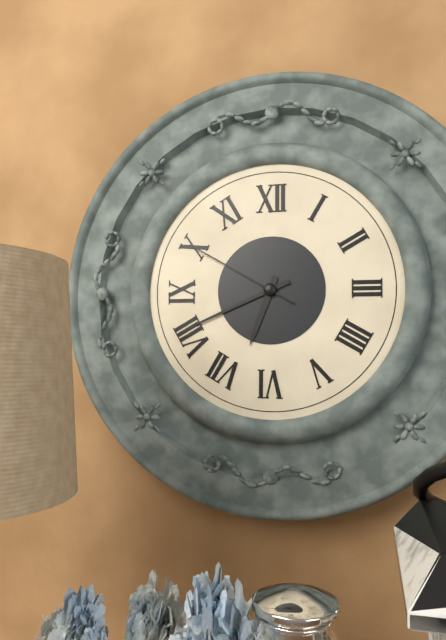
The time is **6:41:50**
